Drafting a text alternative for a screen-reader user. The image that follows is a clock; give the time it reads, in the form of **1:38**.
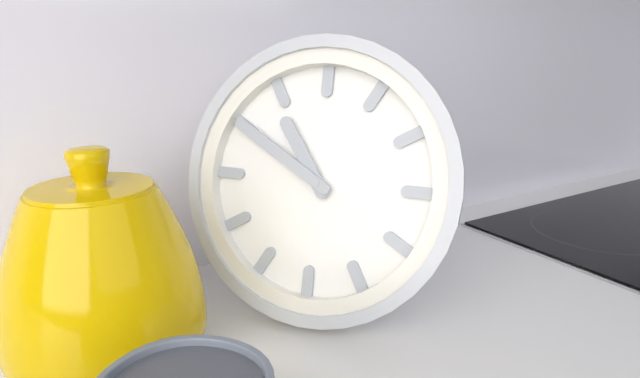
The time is **10:50**
